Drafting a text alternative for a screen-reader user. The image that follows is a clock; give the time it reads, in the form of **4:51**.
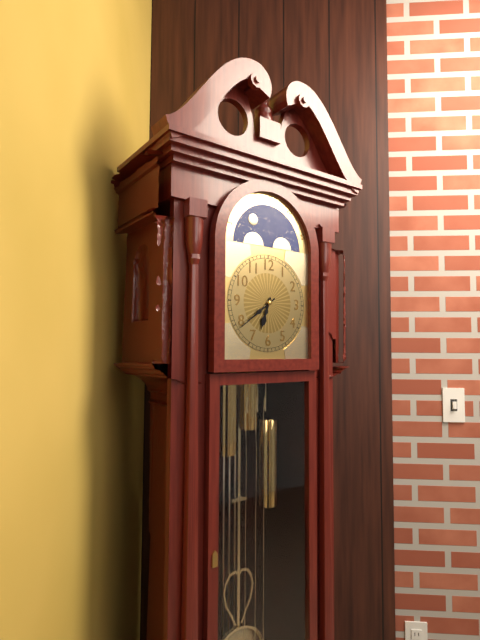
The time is **6:39**
